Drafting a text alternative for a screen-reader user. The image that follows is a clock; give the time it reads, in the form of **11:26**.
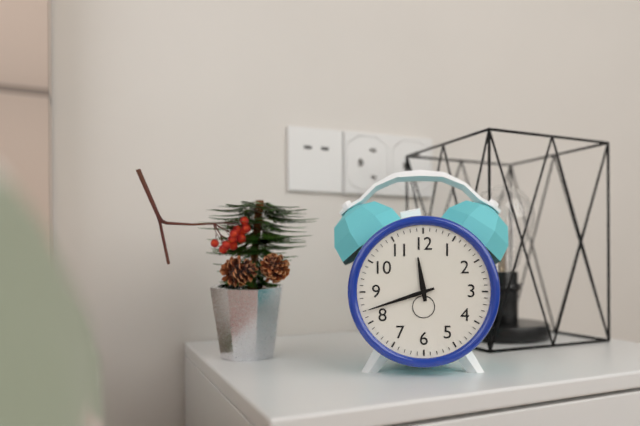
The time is **11:42**
